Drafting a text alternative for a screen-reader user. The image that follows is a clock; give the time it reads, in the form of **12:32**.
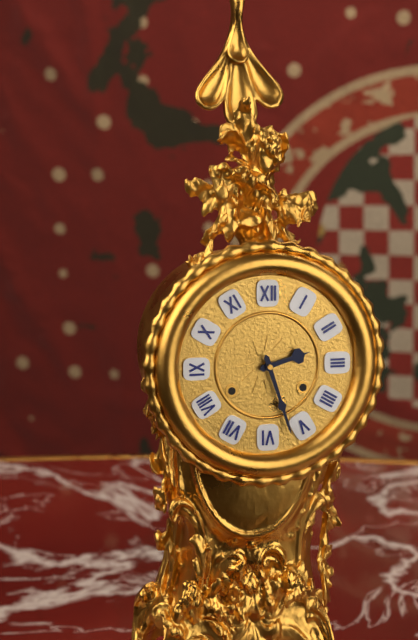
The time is **2:27**
